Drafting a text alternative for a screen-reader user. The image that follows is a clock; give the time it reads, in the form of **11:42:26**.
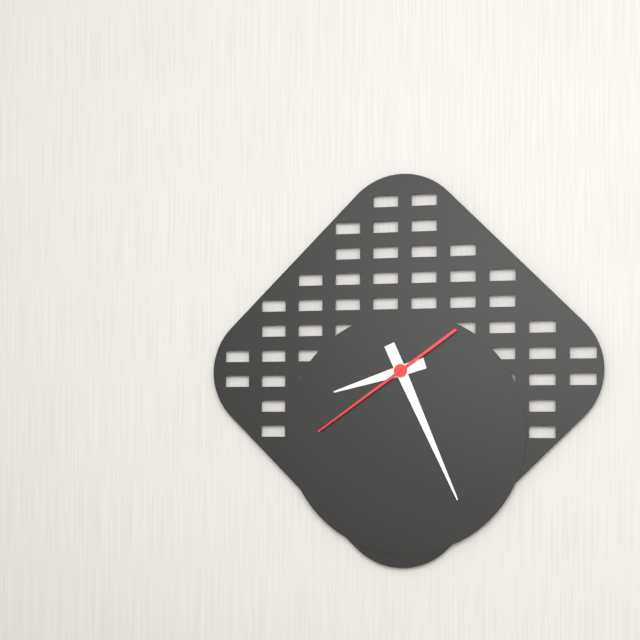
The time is **8:26:39**
